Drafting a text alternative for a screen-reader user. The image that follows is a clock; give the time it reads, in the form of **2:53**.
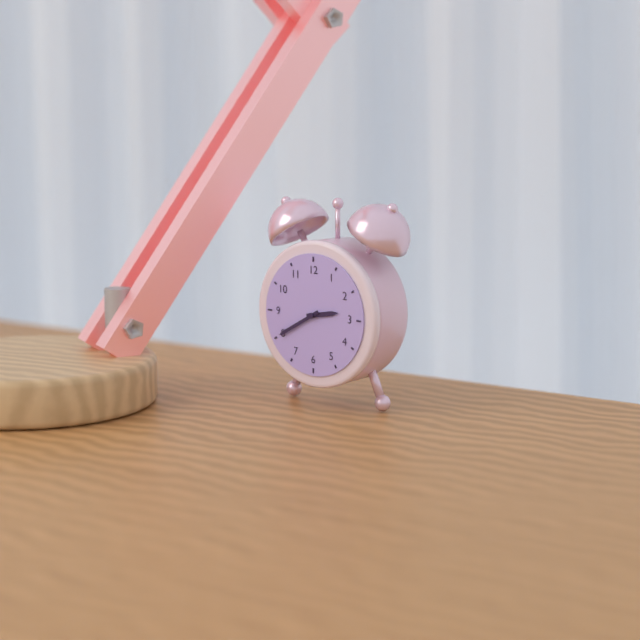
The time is **2:40**
